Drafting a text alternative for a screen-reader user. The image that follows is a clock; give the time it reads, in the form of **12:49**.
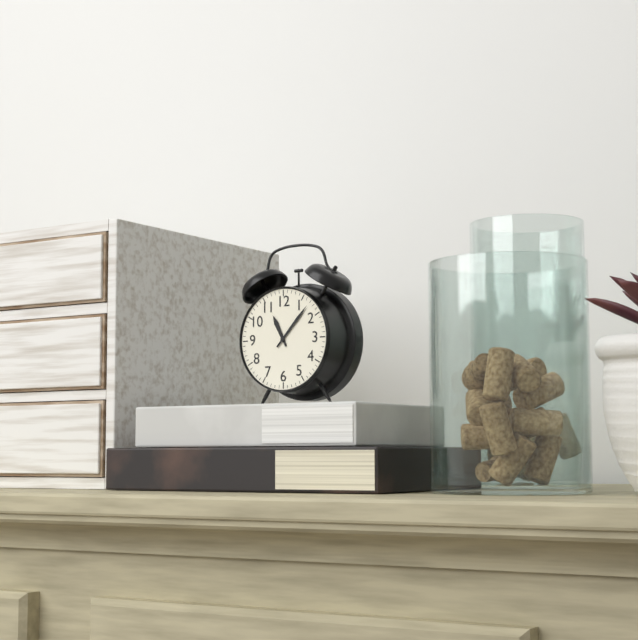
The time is **11:07**
